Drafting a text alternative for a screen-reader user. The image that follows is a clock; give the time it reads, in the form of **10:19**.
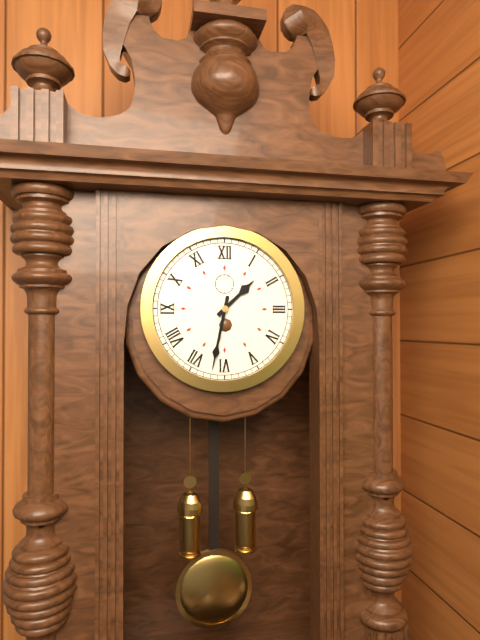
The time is **1:32**
